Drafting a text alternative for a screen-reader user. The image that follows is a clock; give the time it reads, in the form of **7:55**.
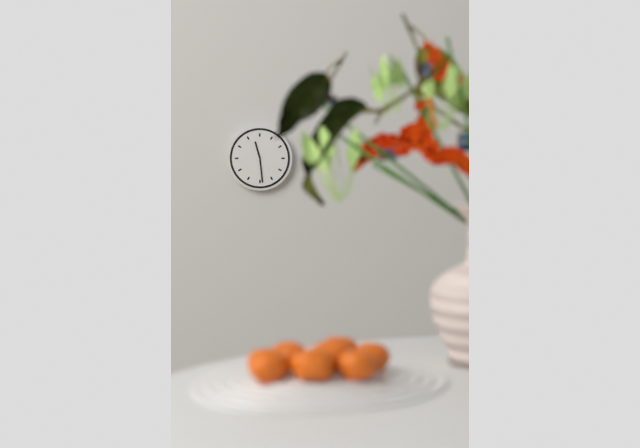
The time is **11:29**
